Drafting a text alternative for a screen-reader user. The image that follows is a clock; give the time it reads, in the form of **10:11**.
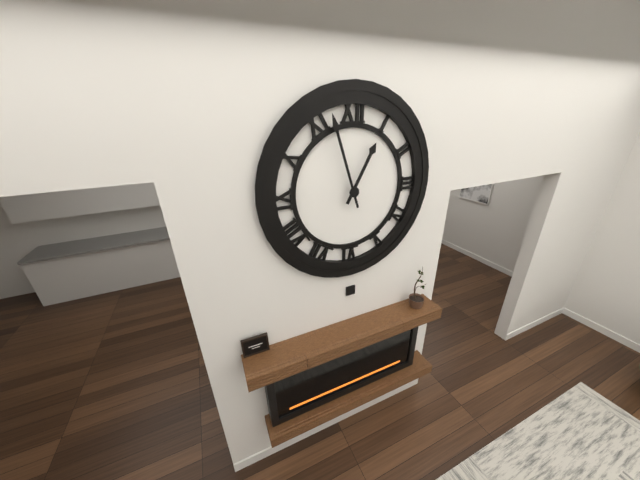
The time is **12:57**
